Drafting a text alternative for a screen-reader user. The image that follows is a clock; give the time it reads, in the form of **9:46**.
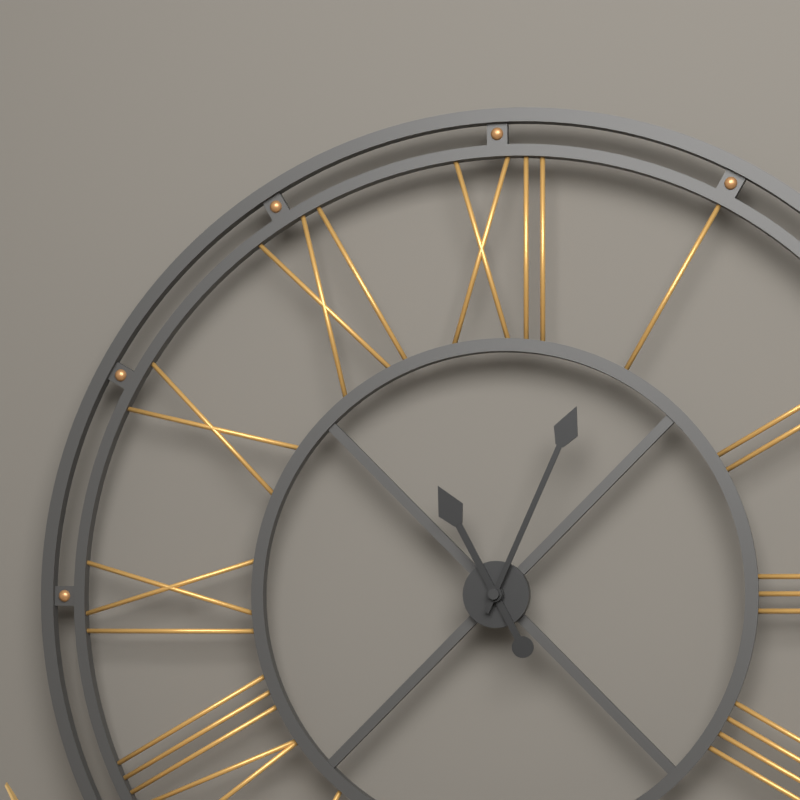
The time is **11:04**
